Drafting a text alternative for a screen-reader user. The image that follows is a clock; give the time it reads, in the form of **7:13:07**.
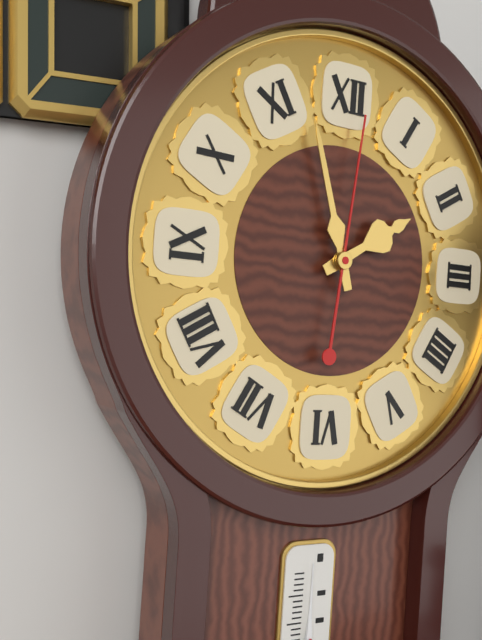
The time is **1:57:01**
